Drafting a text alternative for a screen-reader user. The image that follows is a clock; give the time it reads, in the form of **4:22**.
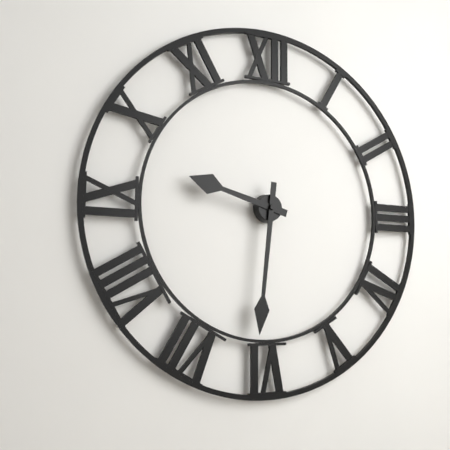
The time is **9:31**
